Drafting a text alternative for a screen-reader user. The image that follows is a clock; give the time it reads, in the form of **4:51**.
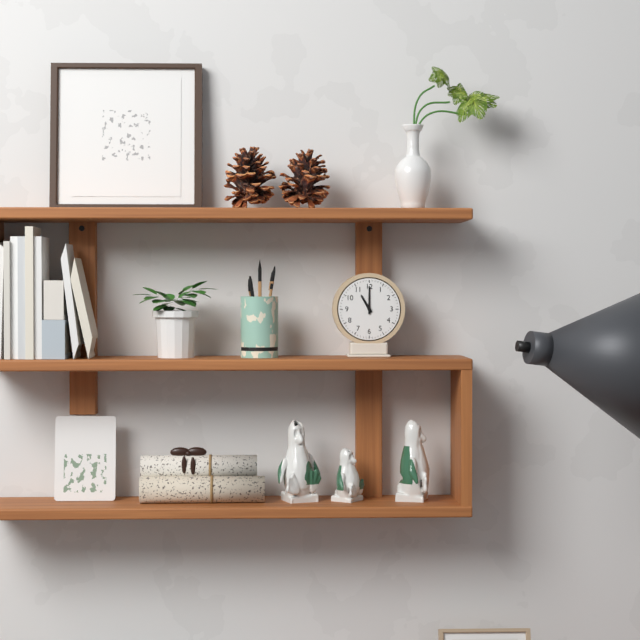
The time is **11:00**
